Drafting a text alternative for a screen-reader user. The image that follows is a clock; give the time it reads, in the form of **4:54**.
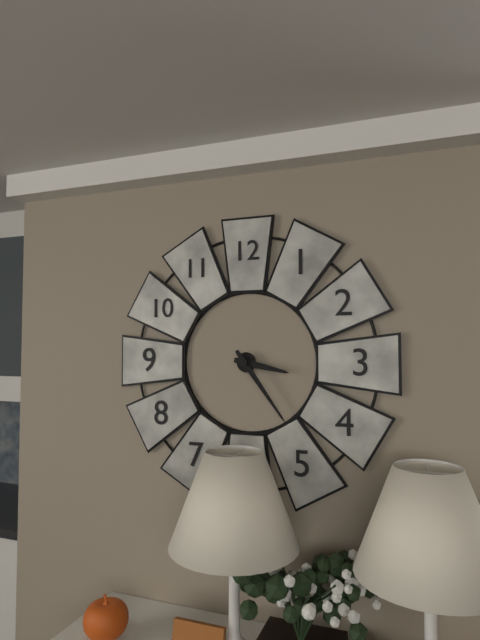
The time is **3:24**
